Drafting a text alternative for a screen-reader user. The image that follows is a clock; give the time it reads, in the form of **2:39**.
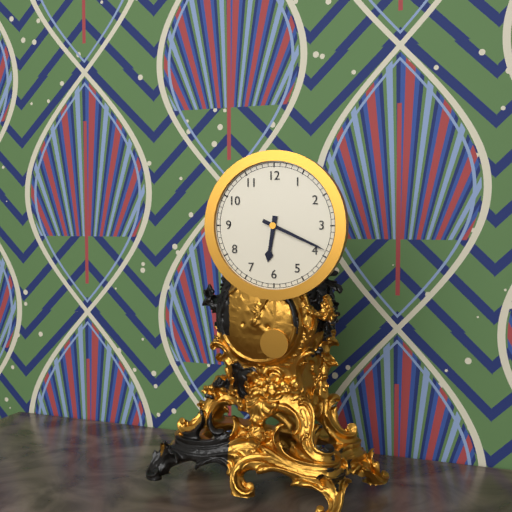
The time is **6:19**
